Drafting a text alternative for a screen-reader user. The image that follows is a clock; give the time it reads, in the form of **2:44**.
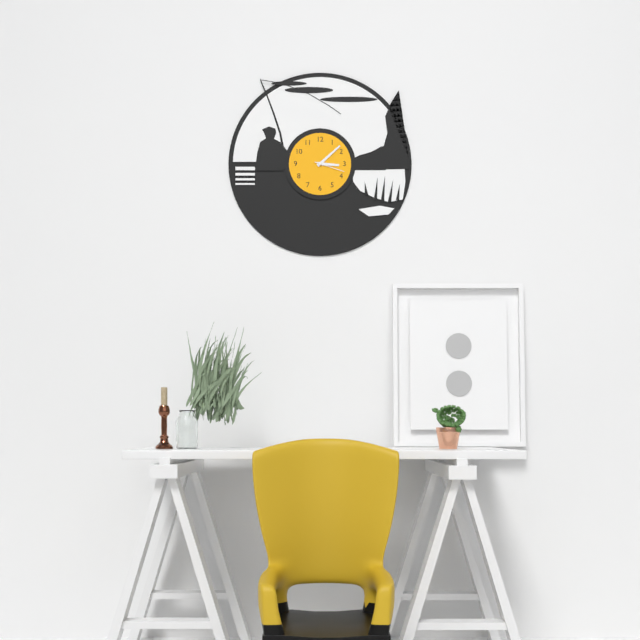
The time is **3:08**
